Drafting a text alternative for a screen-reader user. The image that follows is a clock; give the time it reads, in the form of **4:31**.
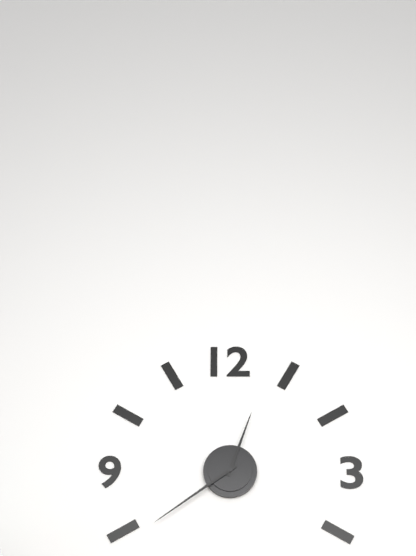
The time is **12:39**
